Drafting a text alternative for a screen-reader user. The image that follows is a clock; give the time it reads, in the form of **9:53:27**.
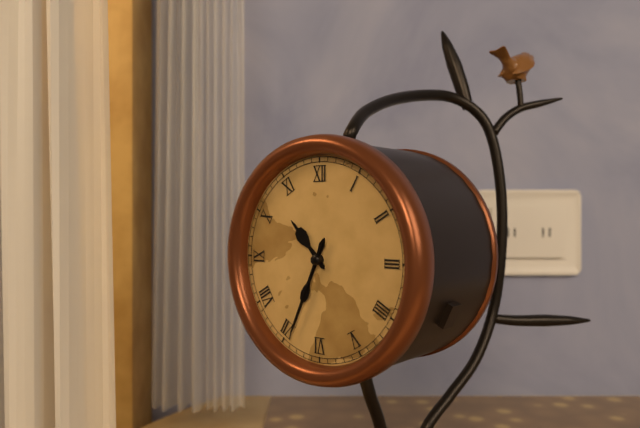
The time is **10:34:34**
